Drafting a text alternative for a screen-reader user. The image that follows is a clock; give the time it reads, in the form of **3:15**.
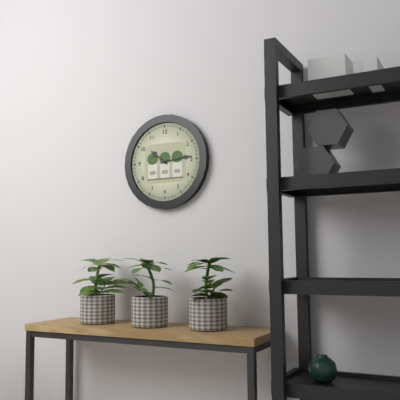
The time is **10:14**
